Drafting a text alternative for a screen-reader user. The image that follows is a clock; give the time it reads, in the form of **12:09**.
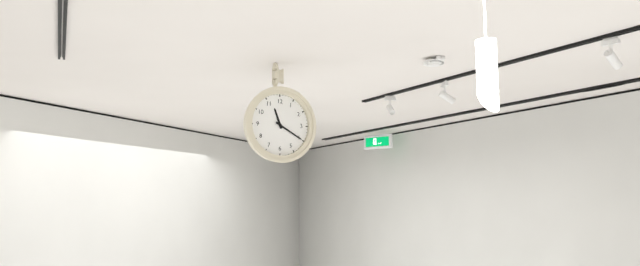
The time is **11:20**
